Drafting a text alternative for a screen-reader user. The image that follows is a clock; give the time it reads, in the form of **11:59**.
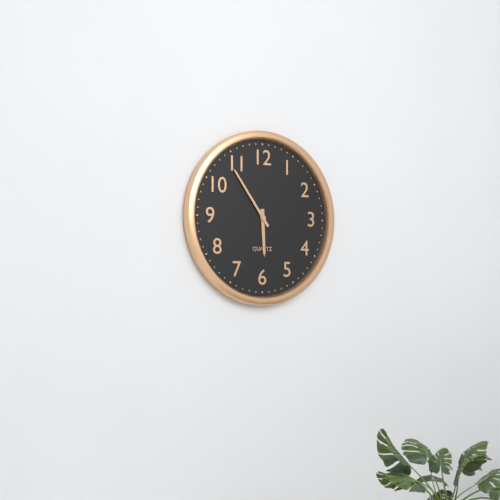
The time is **5:54**
